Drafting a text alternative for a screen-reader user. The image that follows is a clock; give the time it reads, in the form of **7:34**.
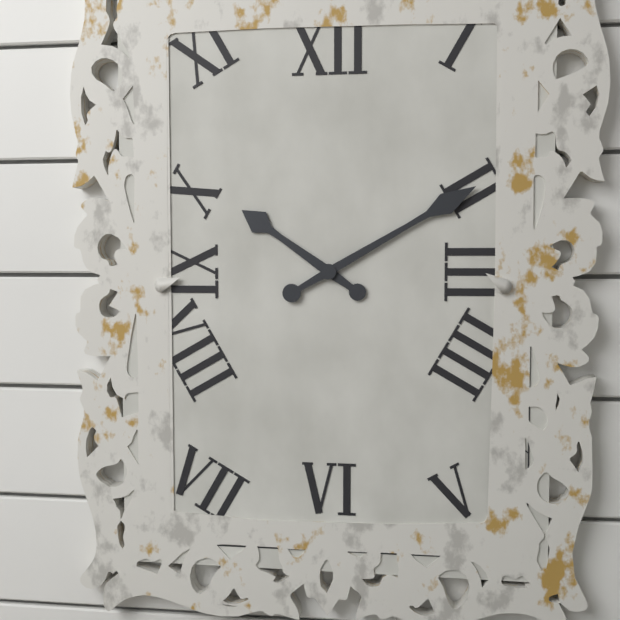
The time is **10:10**
